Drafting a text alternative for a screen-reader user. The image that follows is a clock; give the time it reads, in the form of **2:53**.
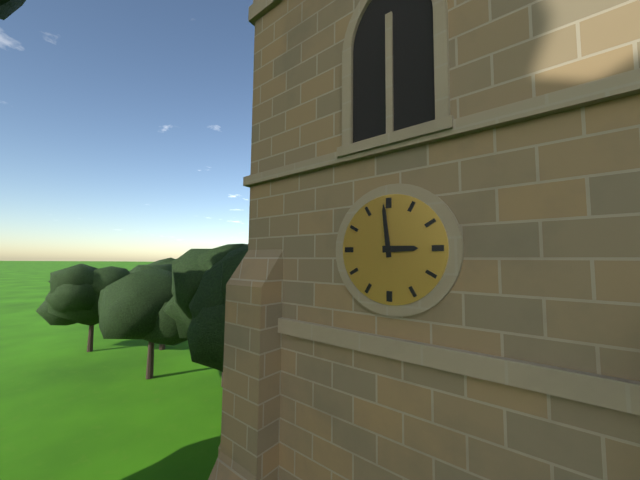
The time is **2:59**
